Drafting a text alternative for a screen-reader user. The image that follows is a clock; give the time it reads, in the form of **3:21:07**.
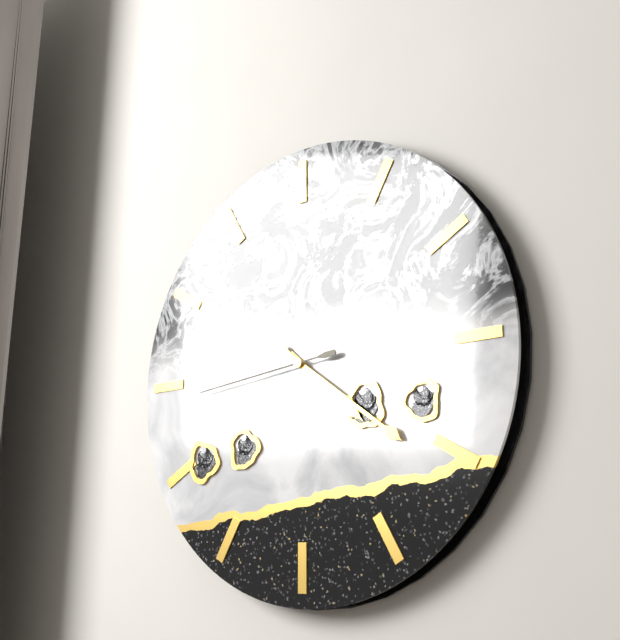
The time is **4:21:44**
